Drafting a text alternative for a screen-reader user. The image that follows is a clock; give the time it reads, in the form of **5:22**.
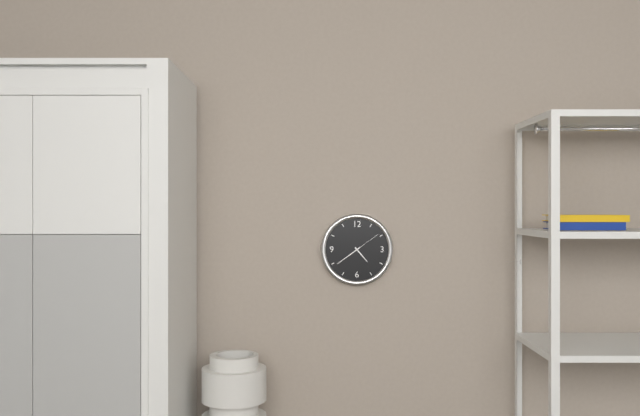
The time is **4:39**
